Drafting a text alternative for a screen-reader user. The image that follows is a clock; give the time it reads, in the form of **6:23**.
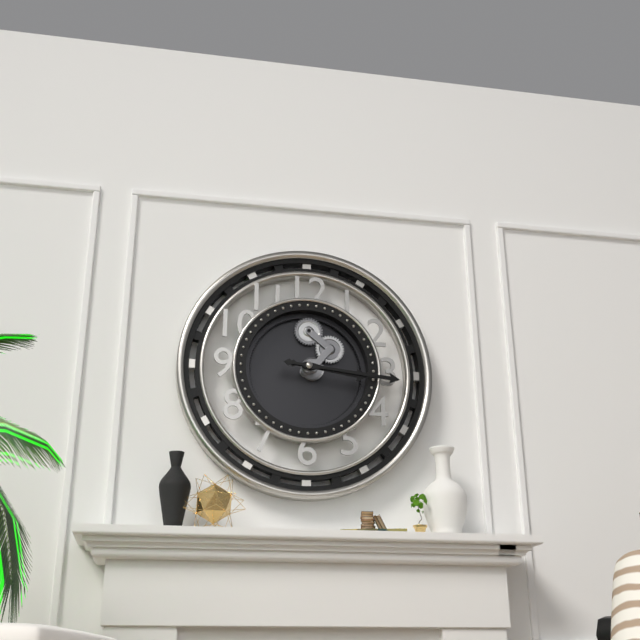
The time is **3:16**
